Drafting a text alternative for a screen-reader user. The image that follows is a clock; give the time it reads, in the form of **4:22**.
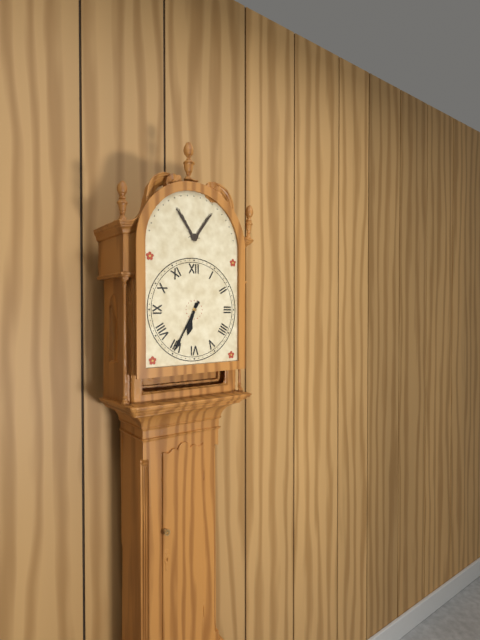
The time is **6:35**
